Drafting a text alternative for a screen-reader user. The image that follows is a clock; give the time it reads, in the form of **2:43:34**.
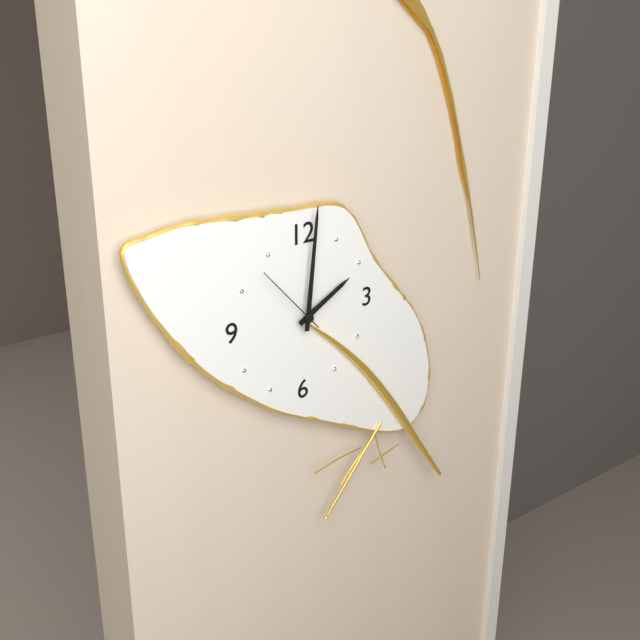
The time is **2:01:53**
